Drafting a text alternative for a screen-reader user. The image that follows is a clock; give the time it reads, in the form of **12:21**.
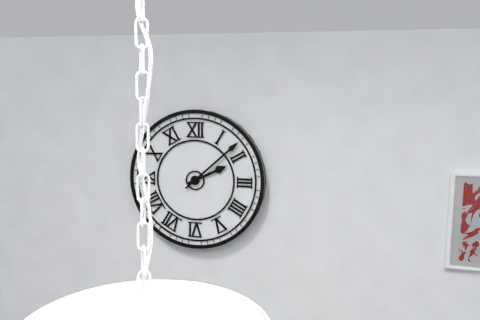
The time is **2:08**
